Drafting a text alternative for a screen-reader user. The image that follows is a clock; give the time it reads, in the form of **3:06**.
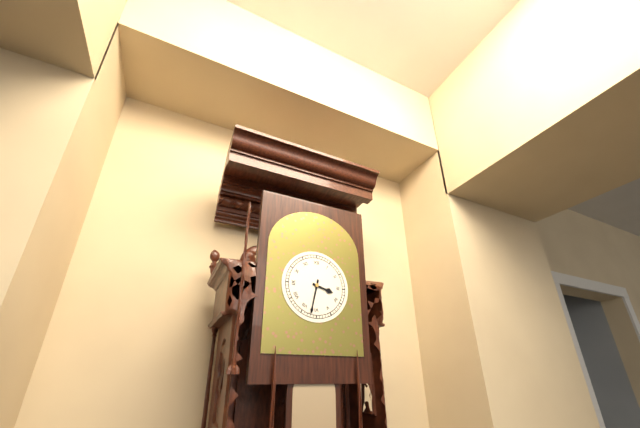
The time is **3:32**
